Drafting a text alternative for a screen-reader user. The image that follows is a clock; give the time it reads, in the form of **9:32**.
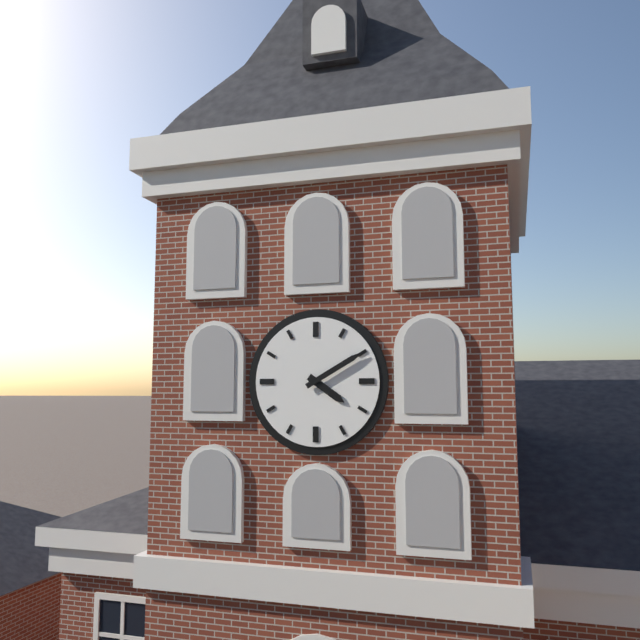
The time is **4:10**
